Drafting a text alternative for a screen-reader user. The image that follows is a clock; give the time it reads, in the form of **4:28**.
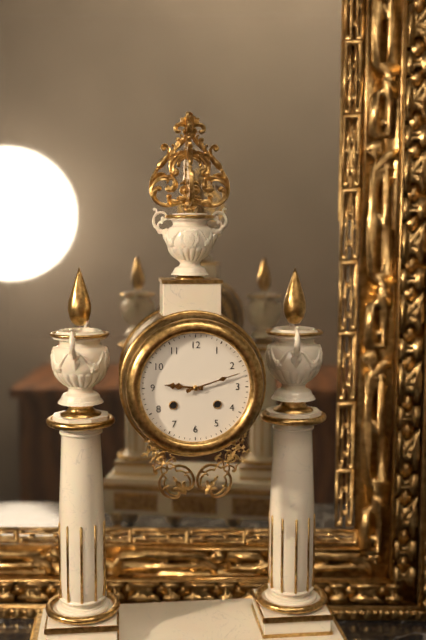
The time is **9:12**
